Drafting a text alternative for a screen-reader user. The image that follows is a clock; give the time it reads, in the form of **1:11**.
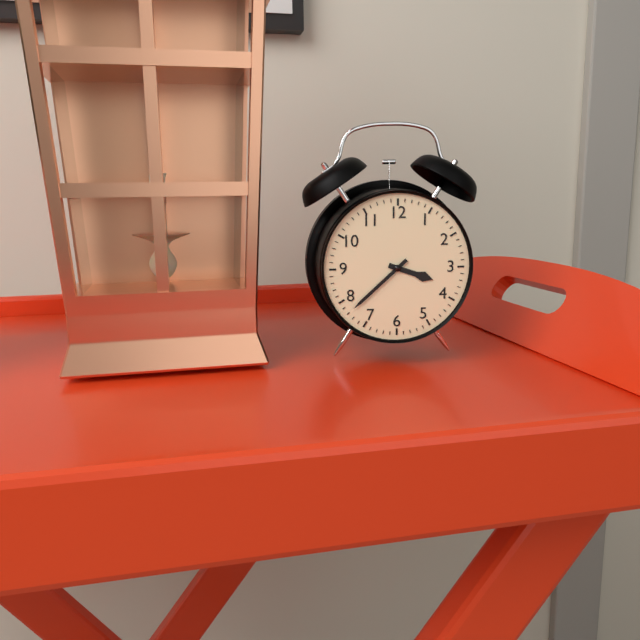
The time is **3:38**
